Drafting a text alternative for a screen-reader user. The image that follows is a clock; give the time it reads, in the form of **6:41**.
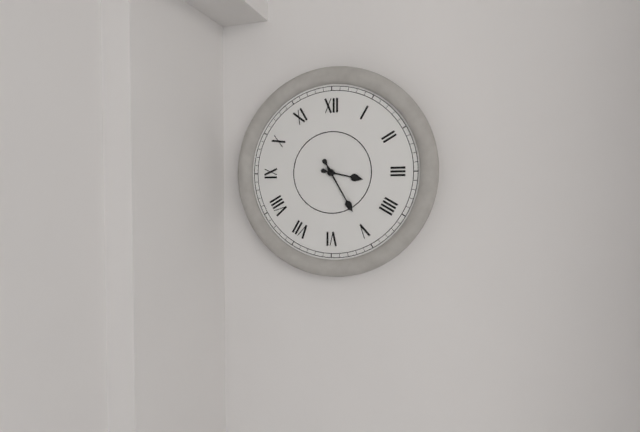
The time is **3:25**
